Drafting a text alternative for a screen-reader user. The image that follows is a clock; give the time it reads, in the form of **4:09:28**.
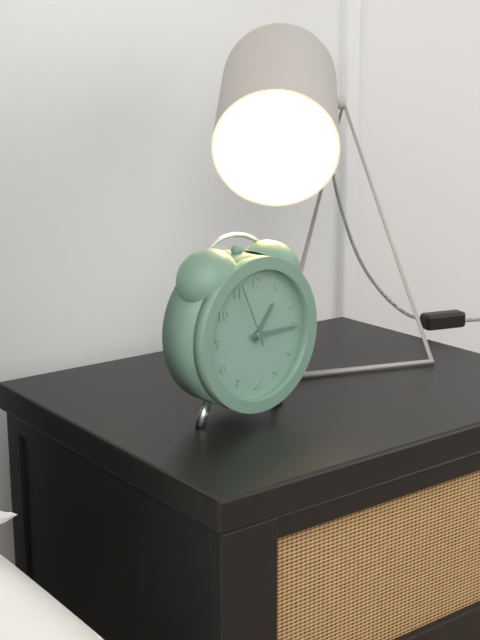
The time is **1:15:56**
